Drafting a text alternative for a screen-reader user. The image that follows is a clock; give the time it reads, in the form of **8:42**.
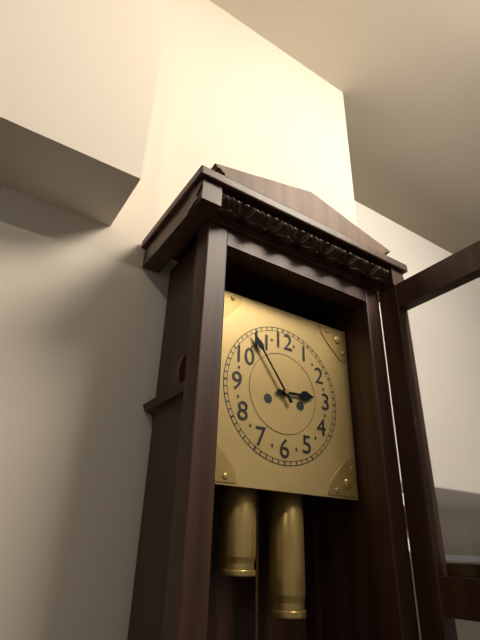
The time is **2:54**
